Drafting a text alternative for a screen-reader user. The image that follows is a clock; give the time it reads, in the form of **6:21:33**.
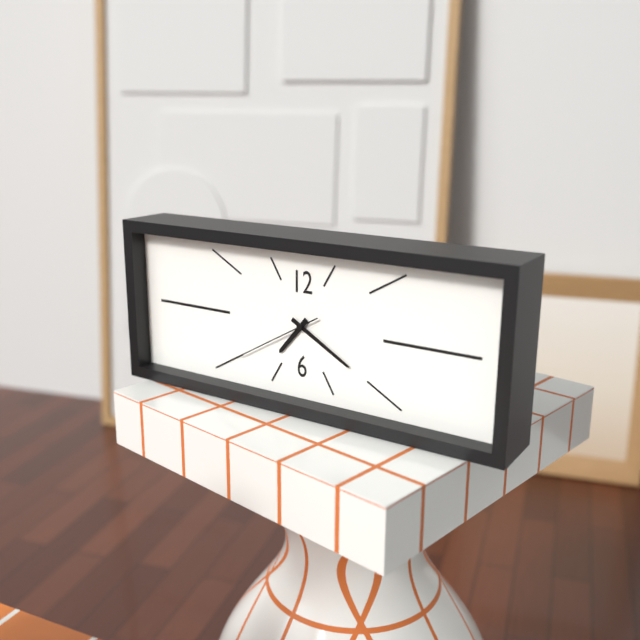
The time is **7:20:40**
